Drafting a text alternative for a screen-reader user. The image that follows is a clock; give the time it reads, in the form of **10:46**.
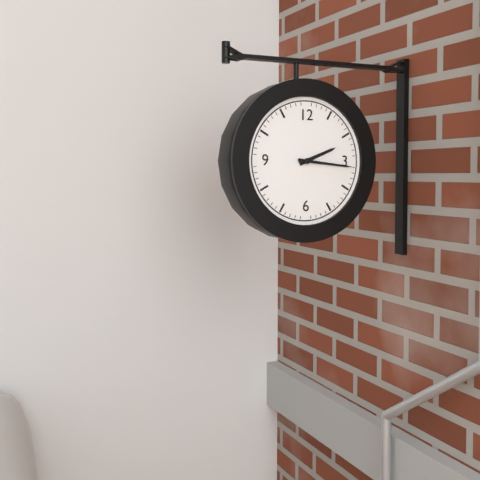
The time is **2:16**
